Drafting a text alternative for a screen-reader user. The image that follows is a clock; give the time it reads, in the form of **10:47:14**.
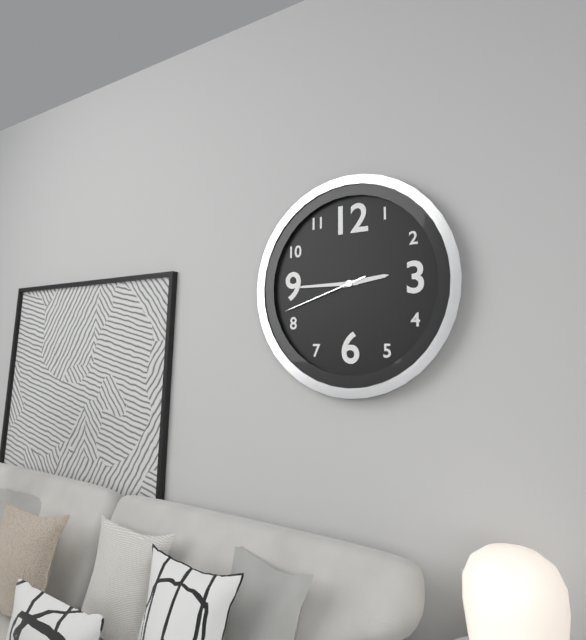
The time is **2:45:42**
